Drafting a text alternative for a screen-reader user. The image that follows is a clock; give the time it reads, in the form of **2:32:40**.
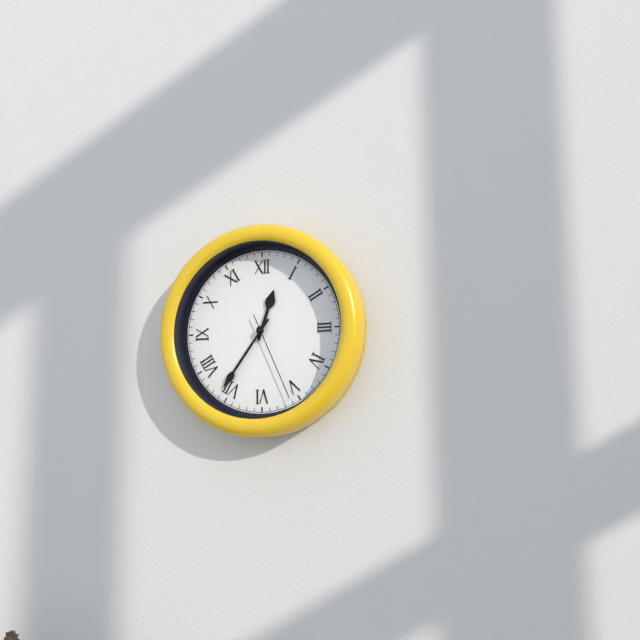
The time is **12:36:26**
